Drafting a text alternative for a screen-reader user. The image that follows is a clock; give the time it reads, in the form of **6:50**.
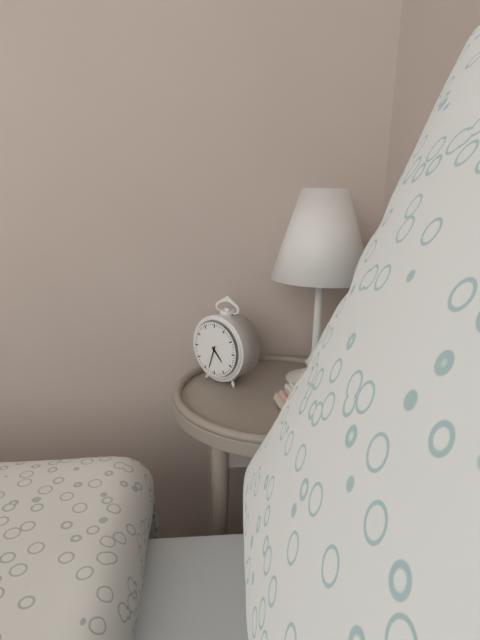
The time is **4:33**
